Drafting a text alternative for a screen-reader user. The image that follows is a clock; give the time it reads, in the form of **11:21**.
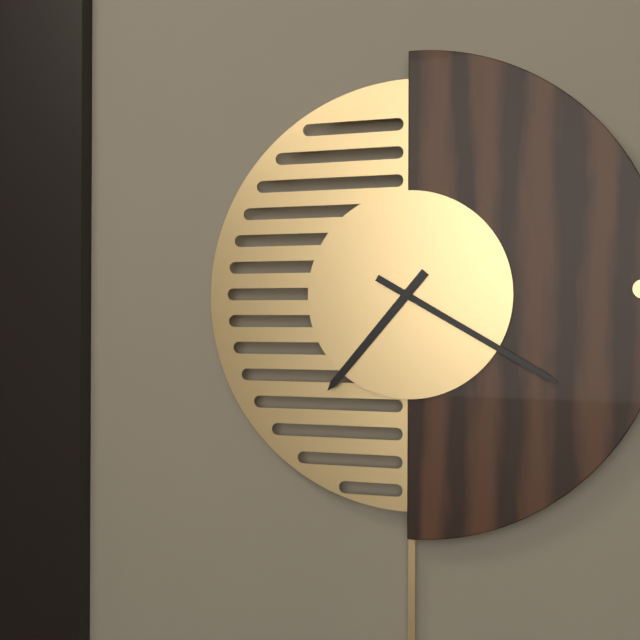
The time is **7:20**
